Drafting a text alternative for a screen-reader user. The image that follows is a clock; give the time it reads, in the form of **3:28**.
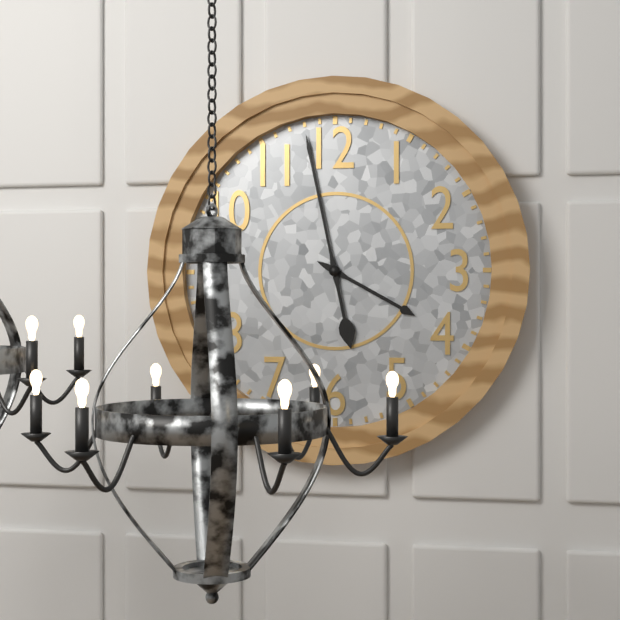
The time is **3:58**
